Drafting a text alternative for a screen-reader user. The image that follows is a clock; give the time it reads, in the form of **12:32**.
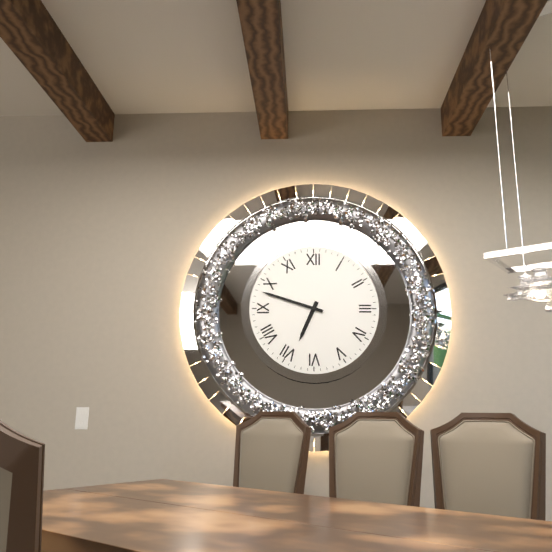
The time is **6:48**
